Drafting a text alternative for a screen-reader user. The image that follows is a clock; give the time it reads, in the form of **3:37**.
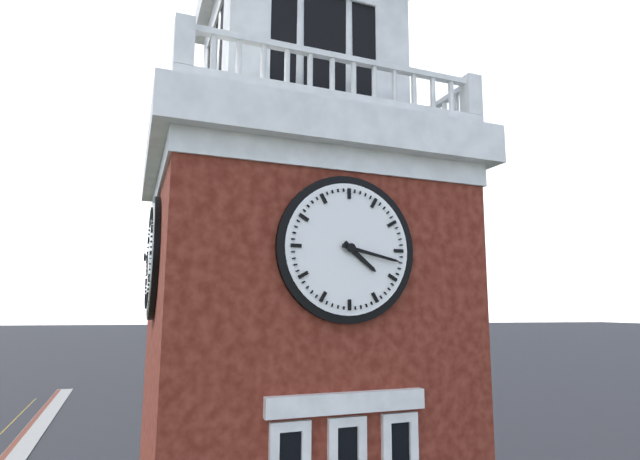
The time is **4:17**
